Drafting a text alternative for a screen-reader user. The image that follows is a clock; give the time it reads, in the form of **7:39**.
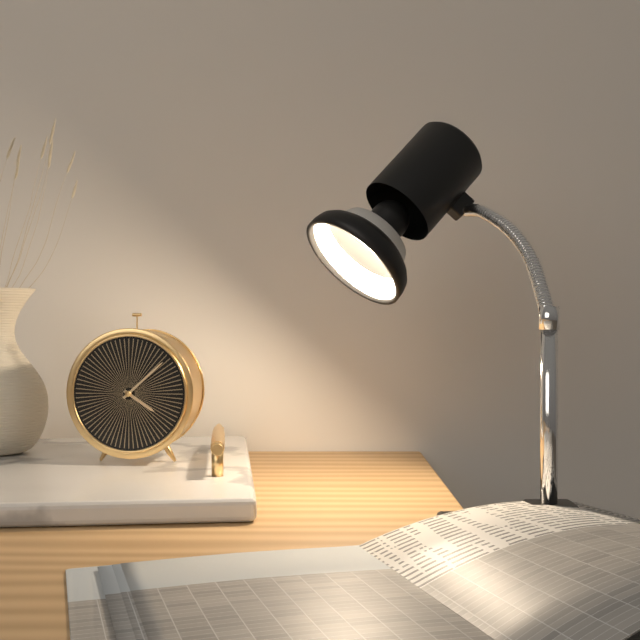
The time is **4:08**
